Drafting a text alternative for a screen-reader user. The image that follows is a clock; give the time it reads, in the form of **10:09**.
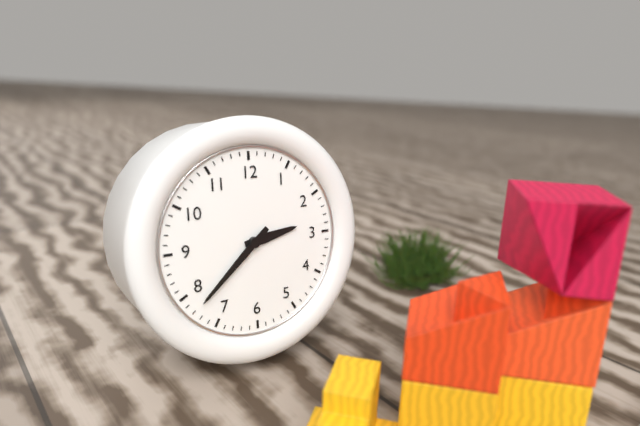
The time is **2:38**
